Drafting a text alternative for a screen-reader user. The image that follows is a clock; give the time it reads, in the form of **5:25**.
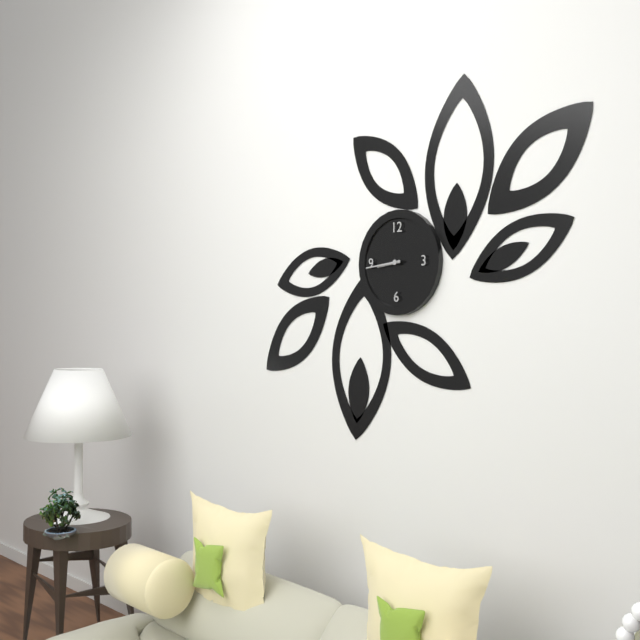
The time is **8:44**
